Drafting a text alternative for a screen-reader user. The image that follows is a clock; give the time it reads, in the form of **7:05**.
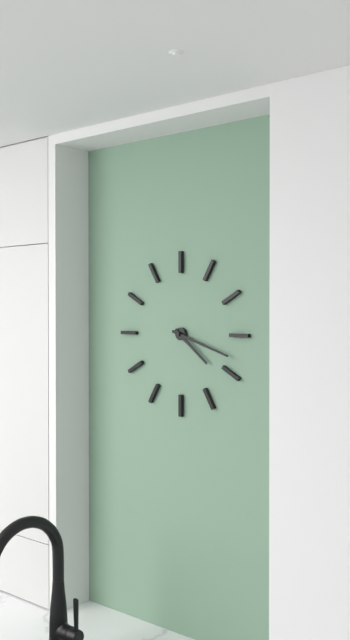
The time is **4:18**
